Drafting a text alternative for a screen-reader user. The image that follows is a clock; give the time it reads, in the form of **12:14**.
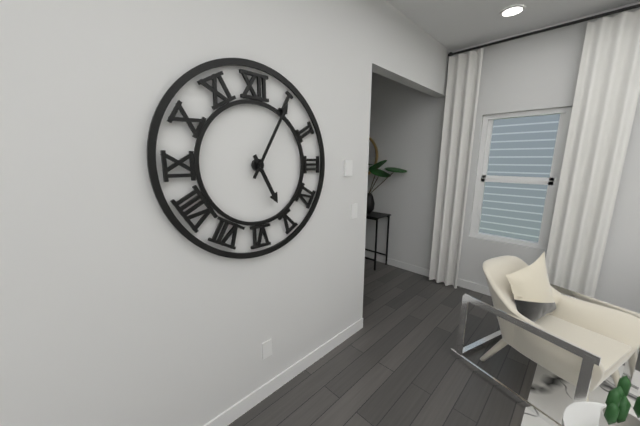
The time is **5:05**
